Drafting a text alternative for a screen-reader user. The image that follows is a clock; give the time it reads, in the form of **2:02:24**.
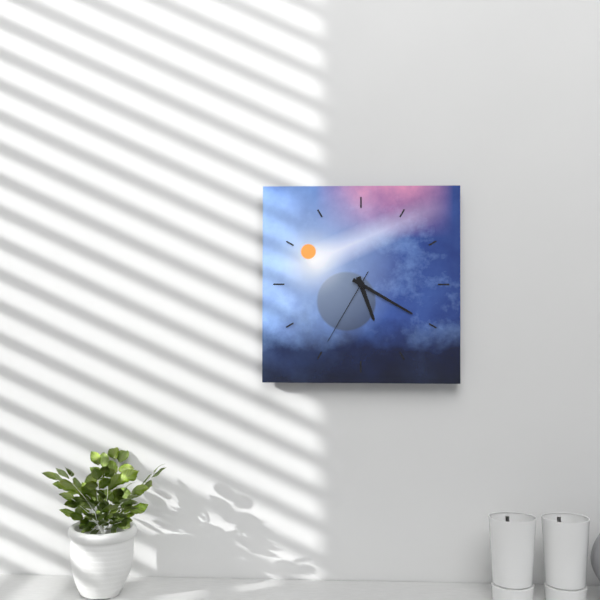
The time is **5:20:35**
